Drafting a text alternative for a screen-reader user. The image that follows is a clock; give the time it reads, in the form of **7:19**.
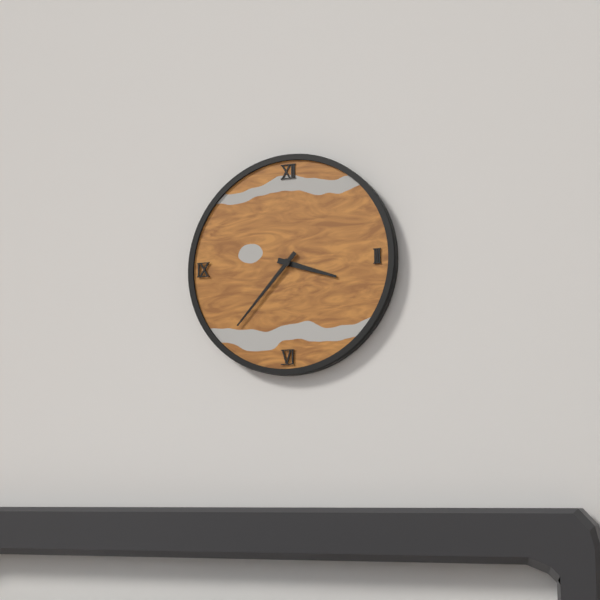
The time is **3:37**
